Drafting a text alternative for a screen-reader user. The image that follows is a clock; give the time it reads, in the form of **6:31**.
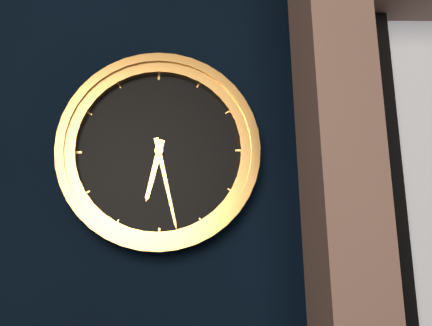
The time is **6:28**
